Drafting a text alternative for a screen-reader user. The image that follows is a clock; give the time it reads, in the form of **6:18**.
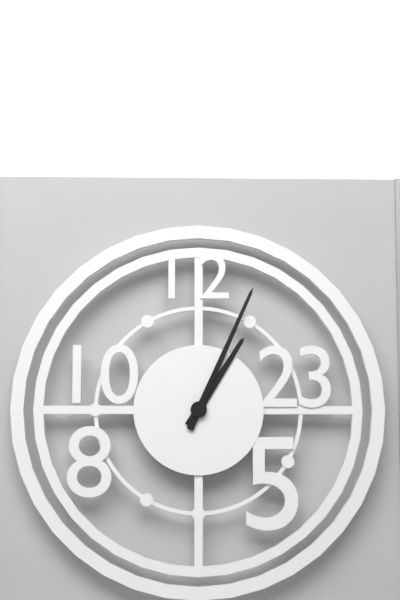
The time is **1:04**
